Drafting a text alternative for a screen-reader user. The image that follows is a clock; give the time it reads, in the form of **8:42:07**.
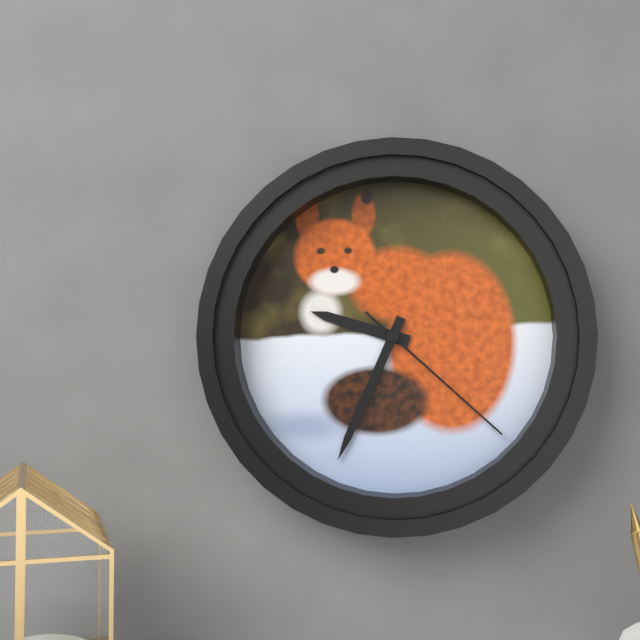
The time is **9:34:22**
